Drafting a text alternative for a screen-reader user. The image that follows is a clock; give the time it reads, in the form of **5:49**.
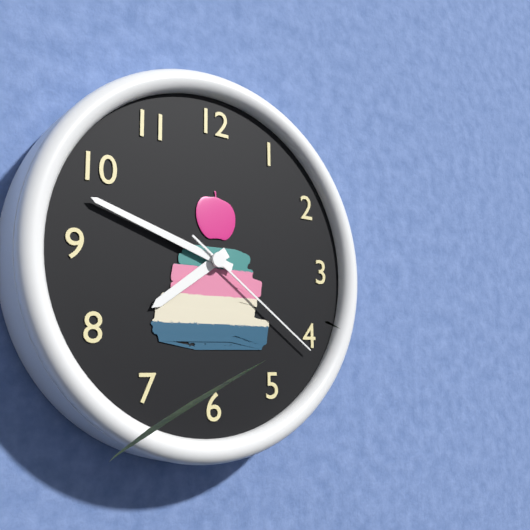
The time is **7:48**
